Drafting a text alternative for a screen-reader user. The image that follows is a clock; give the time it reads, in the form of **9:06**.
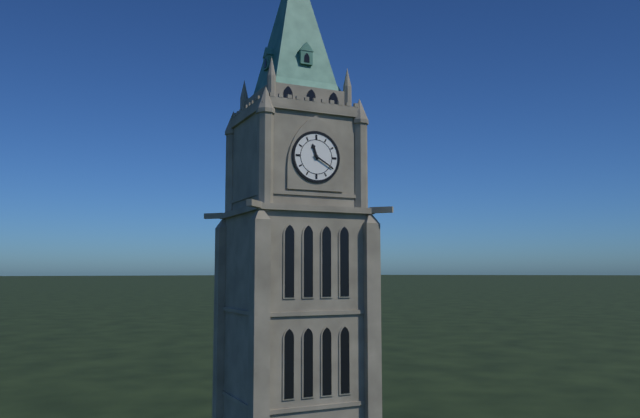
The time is **11:20**
